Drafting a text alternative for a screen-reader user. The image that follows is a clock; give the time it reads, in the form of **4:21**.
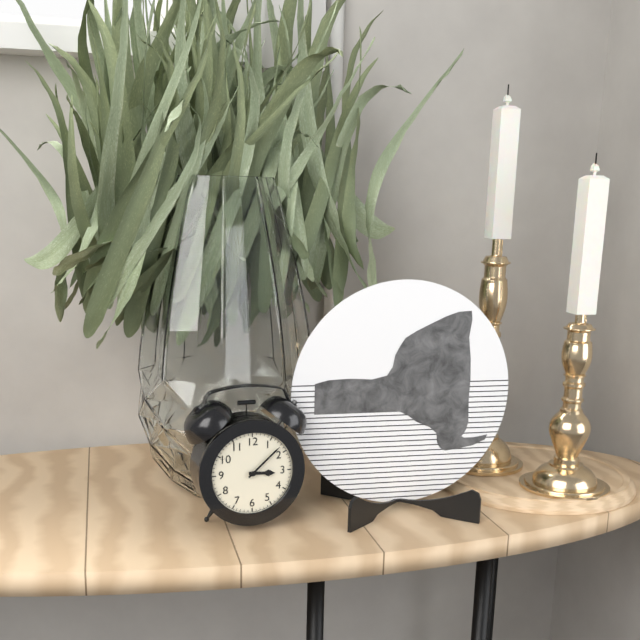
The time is **3:08**
